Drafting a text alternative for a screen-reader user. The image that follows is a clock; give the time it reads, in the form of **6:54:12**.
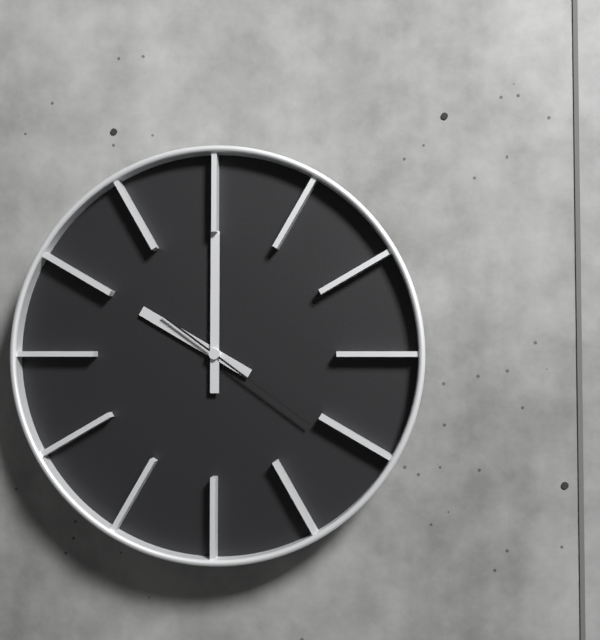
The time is **10:00:21**
